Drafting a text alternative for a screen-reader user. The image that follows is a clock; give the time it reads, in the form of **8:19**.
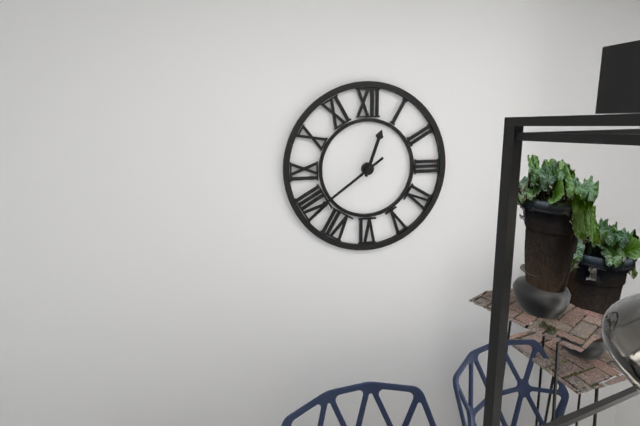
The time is **12:39**
